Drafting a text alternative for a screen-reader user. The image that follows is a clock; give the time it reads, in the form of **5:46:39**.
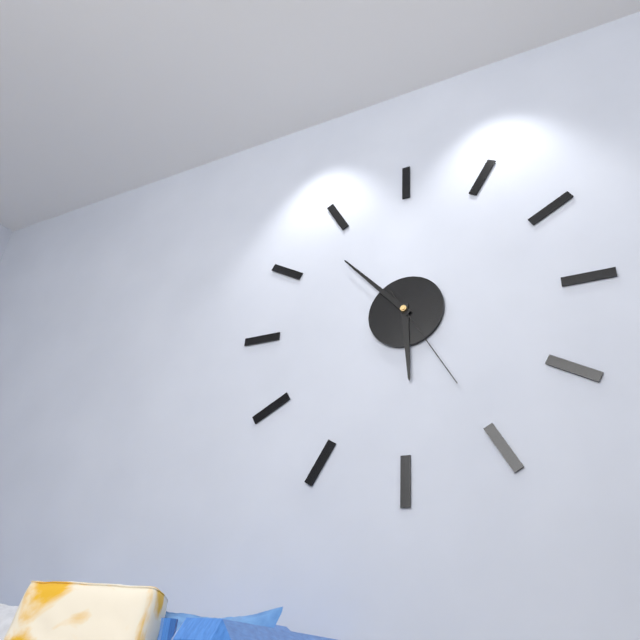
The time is **5:53:25**
